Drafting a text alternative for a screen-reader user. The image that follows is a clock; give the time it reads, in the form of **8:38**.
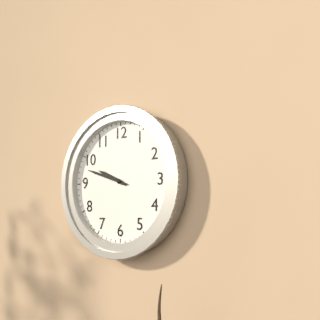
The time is **9:48**
